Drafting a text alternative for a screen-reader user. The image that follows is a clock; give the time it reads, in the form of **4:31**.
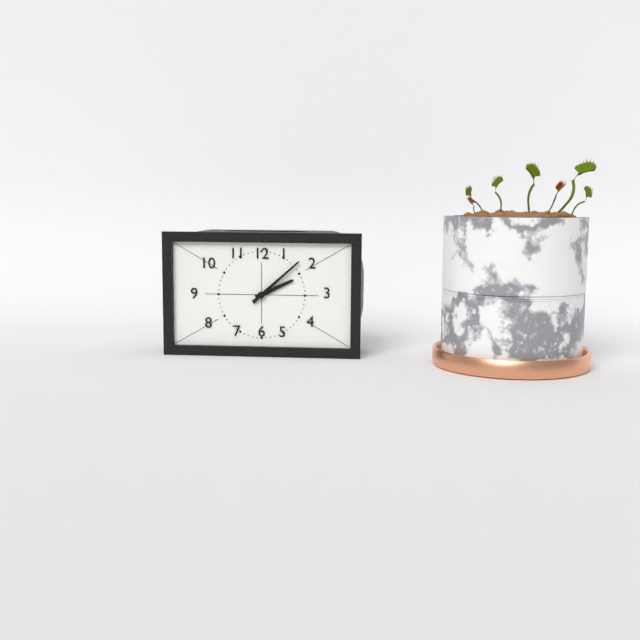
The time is **2:08**
